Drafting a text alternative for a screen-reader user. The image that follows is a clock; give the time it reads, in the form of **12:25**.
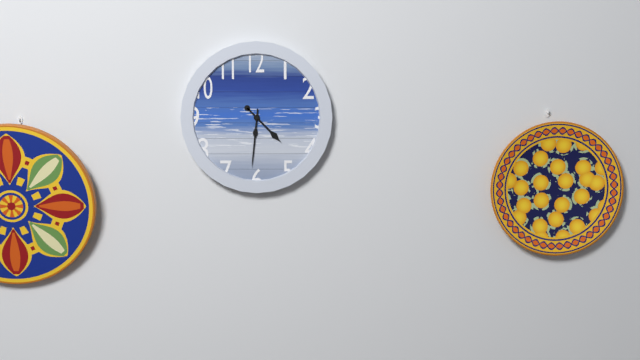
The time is **4:31**
